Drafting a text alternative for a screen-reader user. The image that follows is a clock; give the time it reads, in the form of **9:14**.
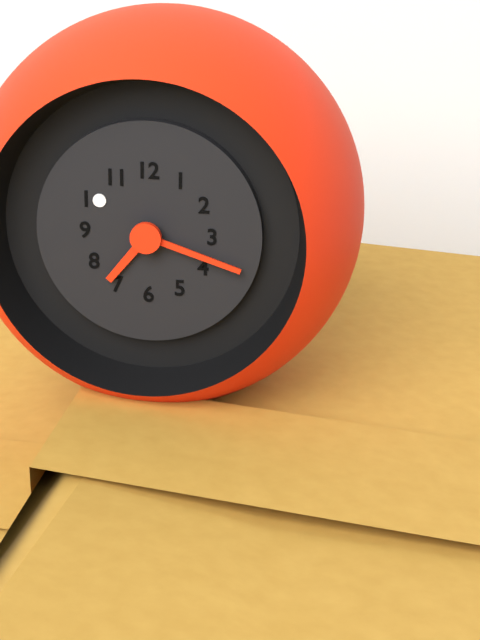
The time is **7:18**
